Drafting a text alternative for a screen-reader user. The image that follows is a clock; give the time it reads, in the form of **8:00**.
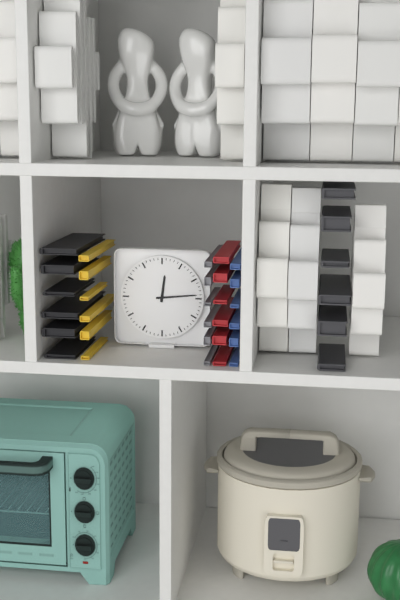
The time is **12:14**
